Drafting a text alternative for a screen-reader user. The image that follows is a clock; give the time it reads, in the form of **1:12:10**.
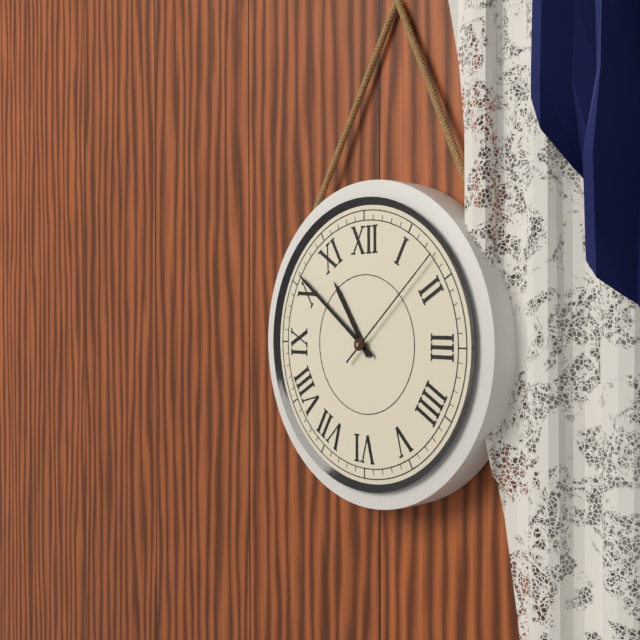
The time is **10:51:08**
